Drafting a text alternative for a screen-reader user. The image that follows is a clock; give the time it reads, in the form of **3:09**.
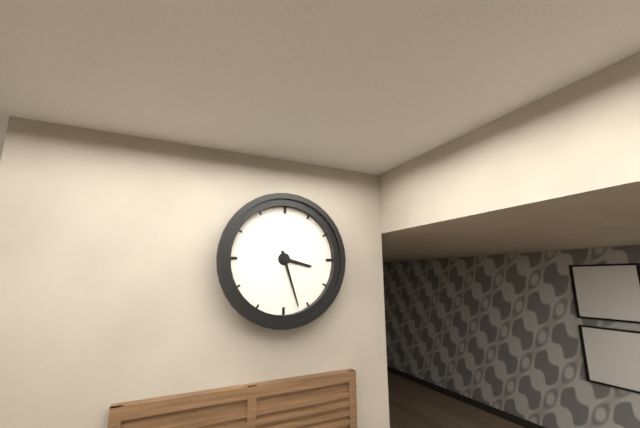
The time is **3:27**
